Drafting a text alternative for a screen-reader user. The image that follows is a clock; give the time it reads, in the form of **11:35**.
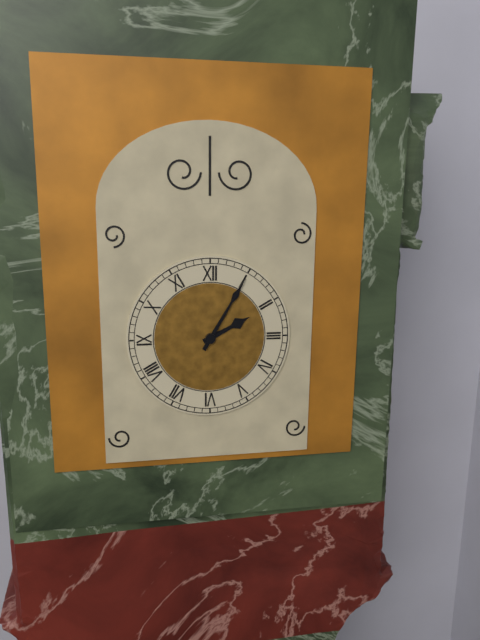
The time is **2:05**
